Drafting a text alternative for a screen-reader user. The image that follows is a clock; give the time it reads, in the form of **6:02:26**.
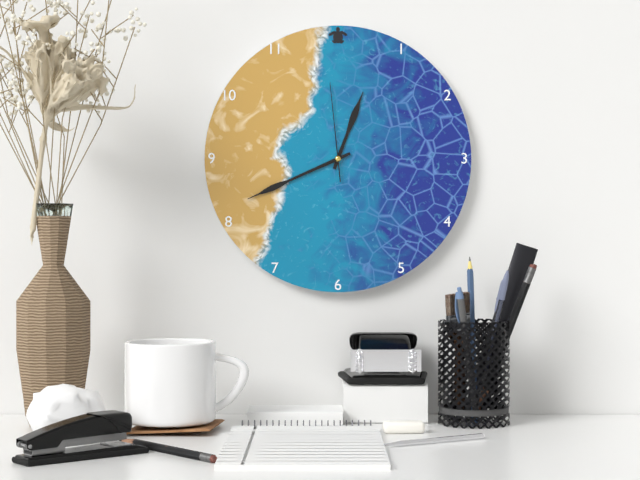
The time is **12:41:59**
